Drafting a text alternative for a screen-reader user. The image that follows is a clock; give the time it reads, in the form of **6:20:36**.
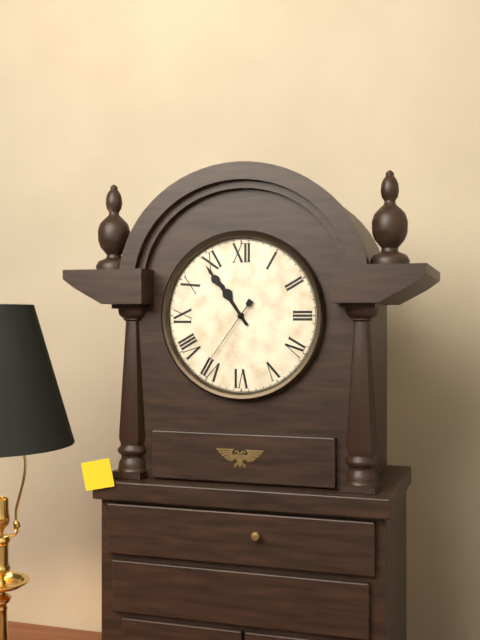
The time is **10:54:36**
